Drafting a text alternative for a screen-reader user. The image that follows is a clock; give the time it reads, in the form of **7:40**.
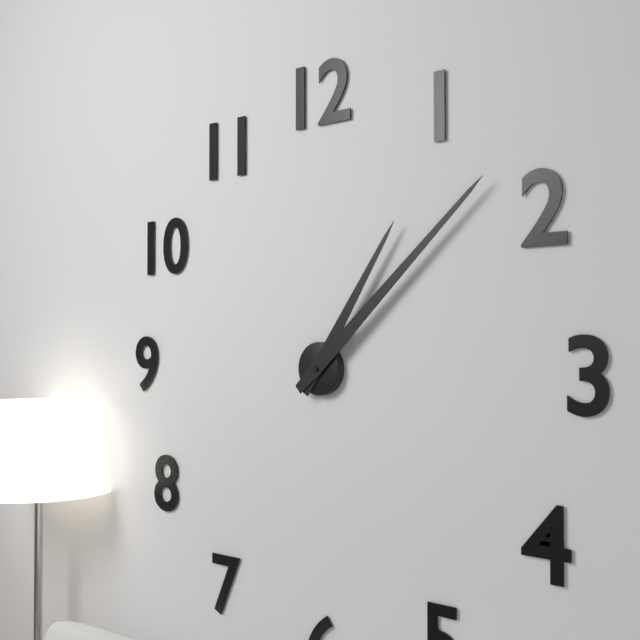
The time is **1:08**
